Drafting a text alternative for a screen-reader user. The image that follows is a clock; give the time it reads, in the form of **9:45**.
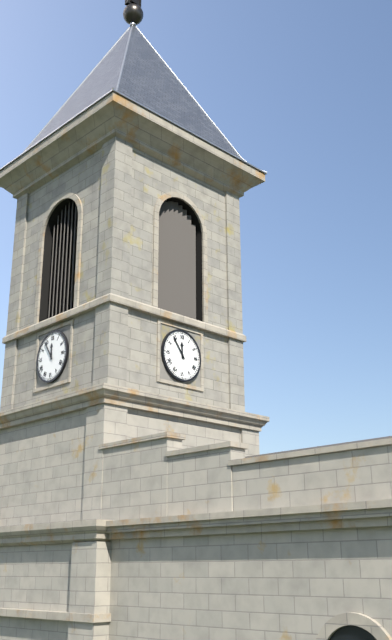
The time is **11:54**
